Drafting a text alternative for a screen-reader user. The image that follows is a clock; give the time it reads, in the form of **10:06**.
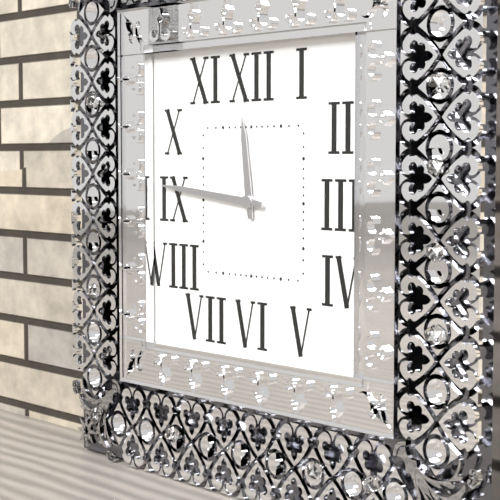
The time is **11:46**
